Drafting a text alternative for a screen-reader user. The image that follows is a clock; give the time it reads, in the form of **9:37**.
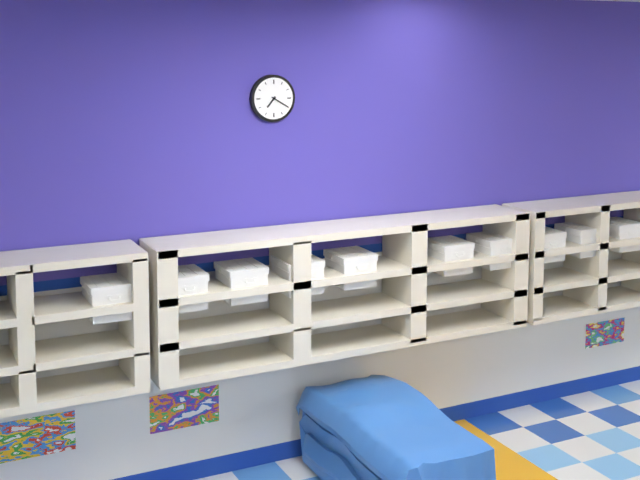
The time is **7:20**
